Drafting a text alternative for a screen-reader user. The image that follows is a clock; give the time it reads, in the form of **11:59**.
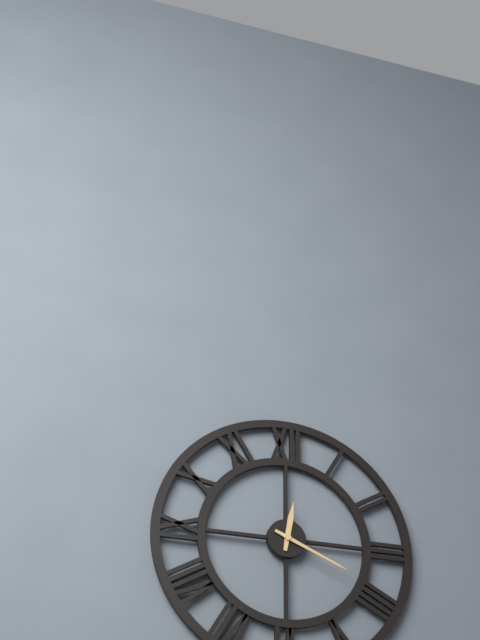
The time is **12:19**
